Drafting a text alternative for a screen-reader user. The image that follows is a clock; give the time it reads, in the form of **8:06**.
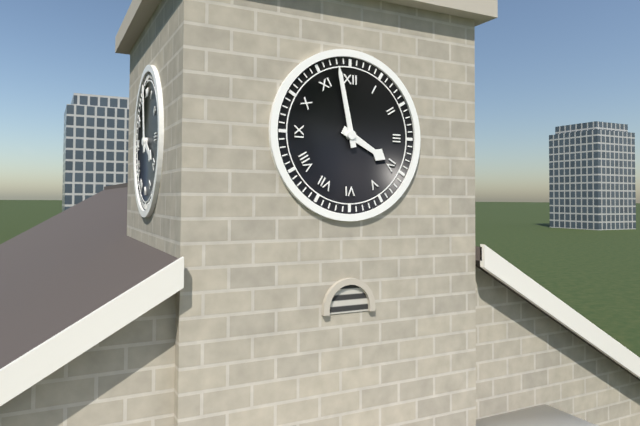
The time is **3:58**
